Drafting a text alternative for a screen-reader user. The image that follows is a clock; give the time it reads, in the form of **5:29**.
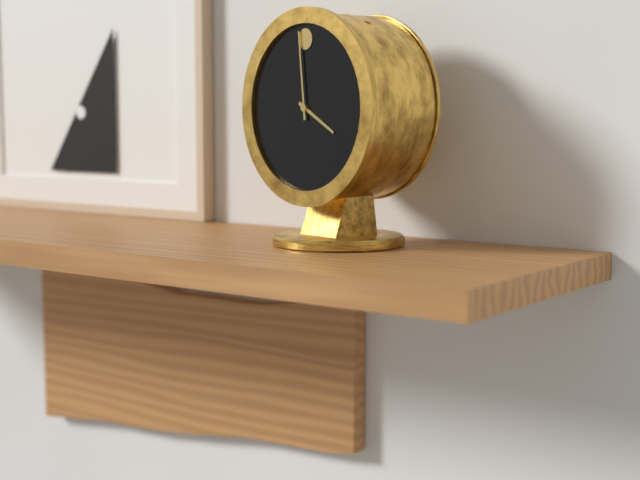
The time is **3:59**
